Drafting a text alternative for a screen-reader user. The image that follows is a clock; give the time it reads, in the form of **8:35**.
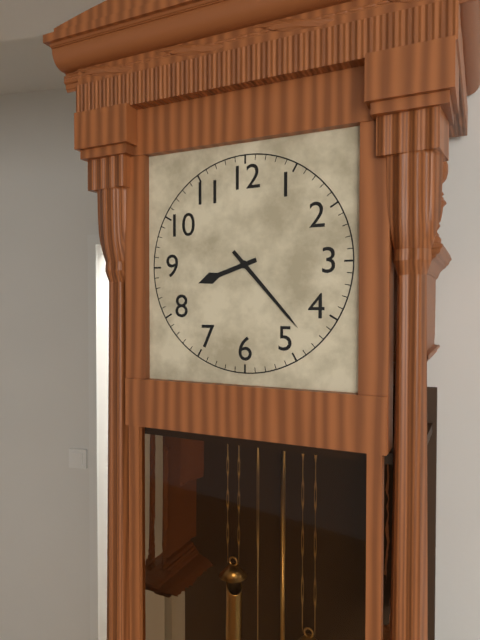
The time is **8:23**
